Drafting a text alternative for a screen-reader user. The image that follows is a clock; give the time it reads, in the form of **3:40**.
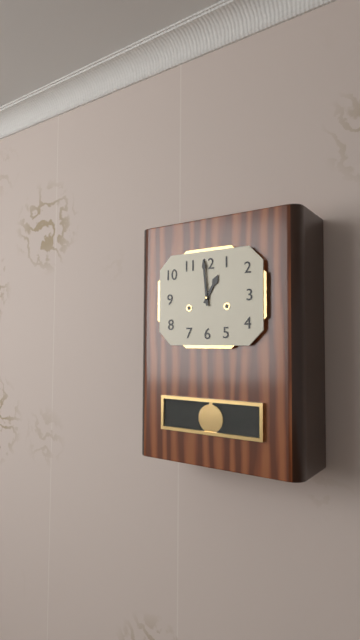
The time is **12:59**
